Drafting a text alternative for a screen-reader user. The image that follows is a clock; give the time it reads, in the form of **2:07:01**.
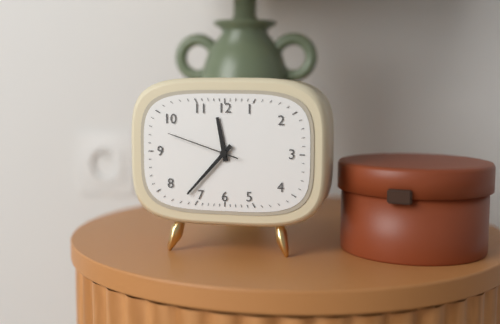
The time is **11:37:48**
